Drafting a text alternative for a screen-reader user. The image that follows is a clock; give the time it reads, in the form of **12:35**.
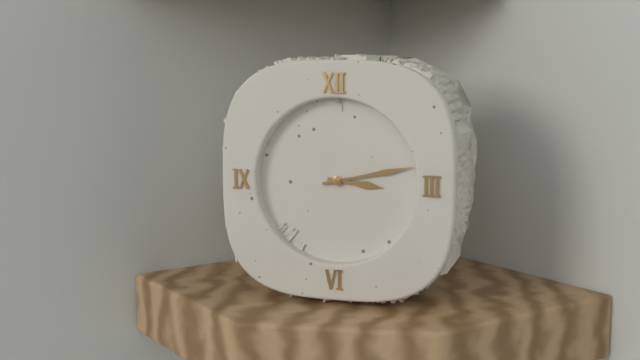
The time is **3:13**
